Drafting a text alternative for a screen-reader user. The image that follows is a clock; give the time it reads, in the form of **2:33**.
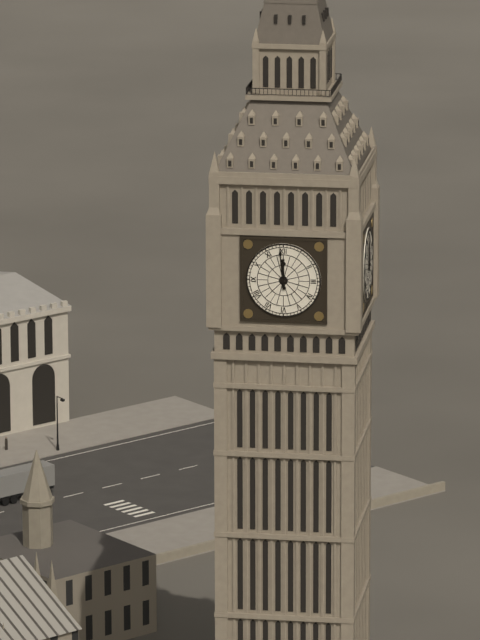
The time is **11:59**
